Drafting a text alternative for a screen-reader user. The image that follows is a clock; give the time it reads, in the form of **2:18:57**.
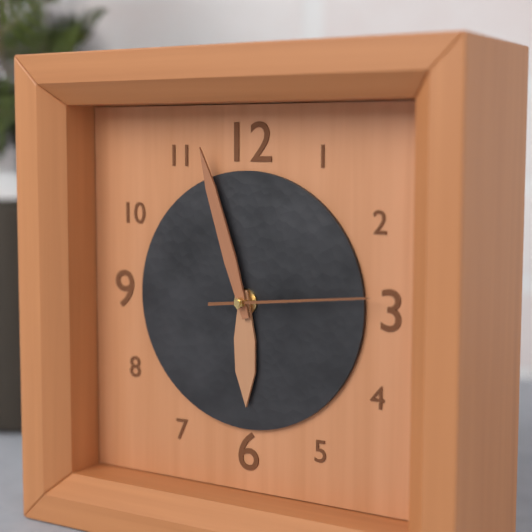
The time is **5:57:14**
